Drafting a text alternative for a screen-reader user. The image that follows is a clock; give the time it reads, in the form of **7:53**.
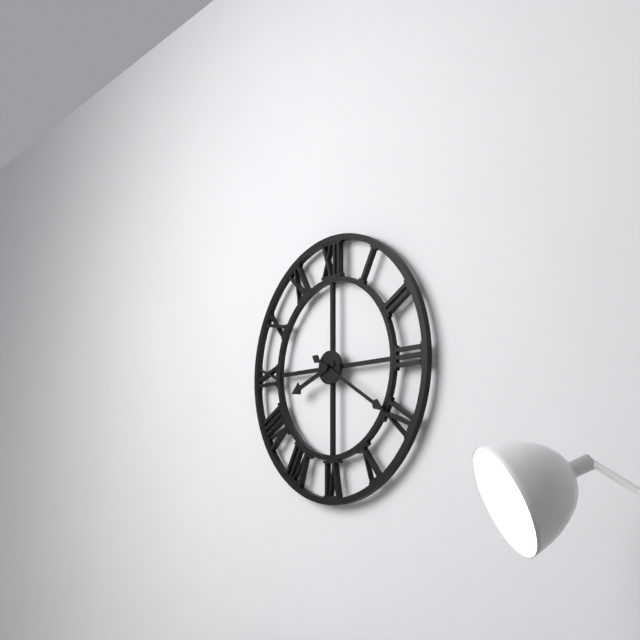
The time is **8:20**
